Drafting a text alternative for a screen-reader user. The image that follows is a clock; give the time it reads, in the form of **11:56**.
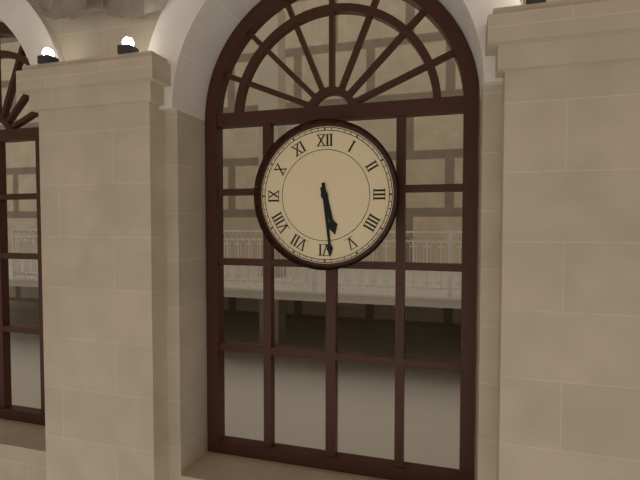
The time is **5:29**
